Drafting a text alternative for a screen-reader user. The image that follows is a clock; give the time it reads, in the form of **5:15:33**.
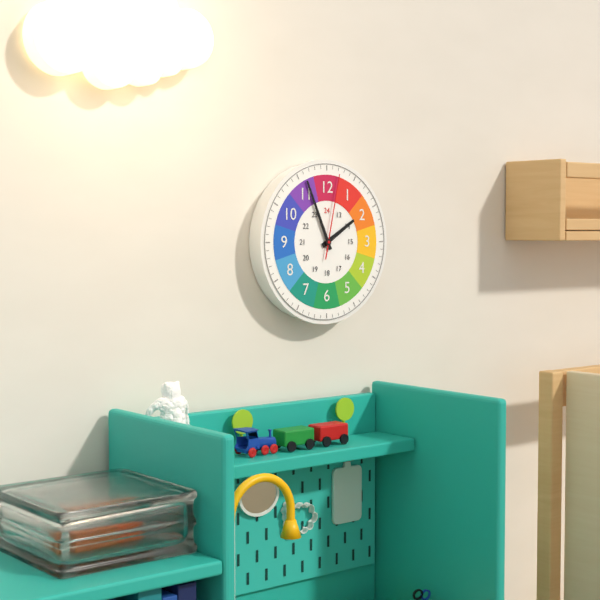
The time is **1:56:02**
